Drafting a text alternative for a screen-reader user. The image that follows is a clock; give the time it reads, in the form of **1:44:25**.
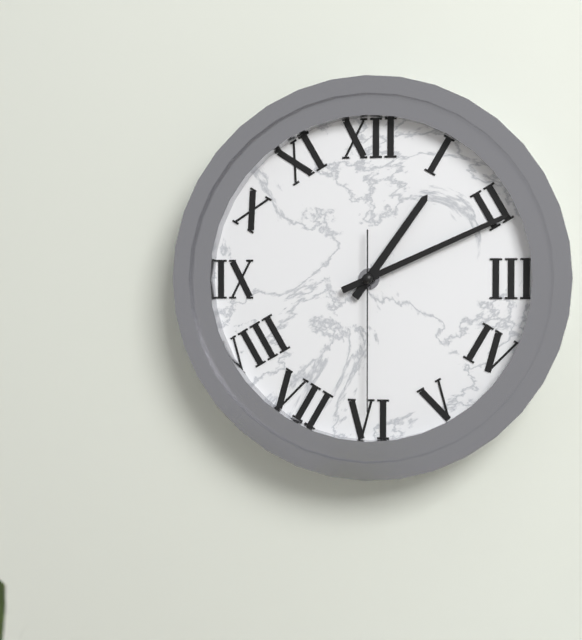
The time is **1:11:30**
